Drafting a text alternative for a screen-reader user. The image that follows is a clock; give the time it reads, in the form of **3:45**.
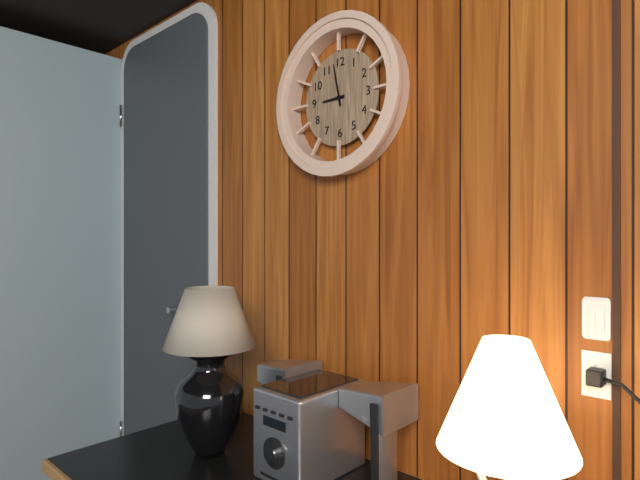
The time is **8:58**
